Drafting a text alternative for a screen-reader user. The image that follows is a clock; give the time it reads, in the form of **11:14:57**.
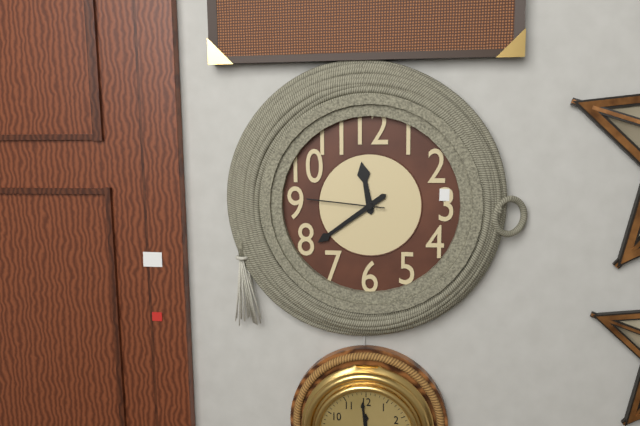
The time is **11:39:46**
